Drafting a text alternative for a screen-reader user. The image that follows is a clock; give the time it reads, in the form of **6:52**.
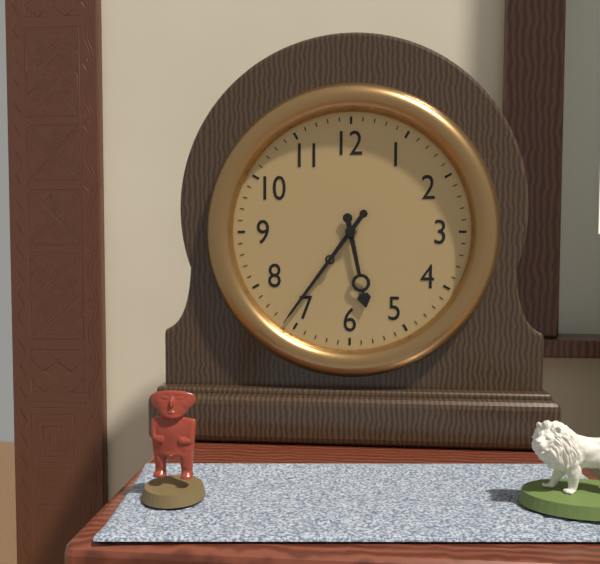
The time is **5:36**
